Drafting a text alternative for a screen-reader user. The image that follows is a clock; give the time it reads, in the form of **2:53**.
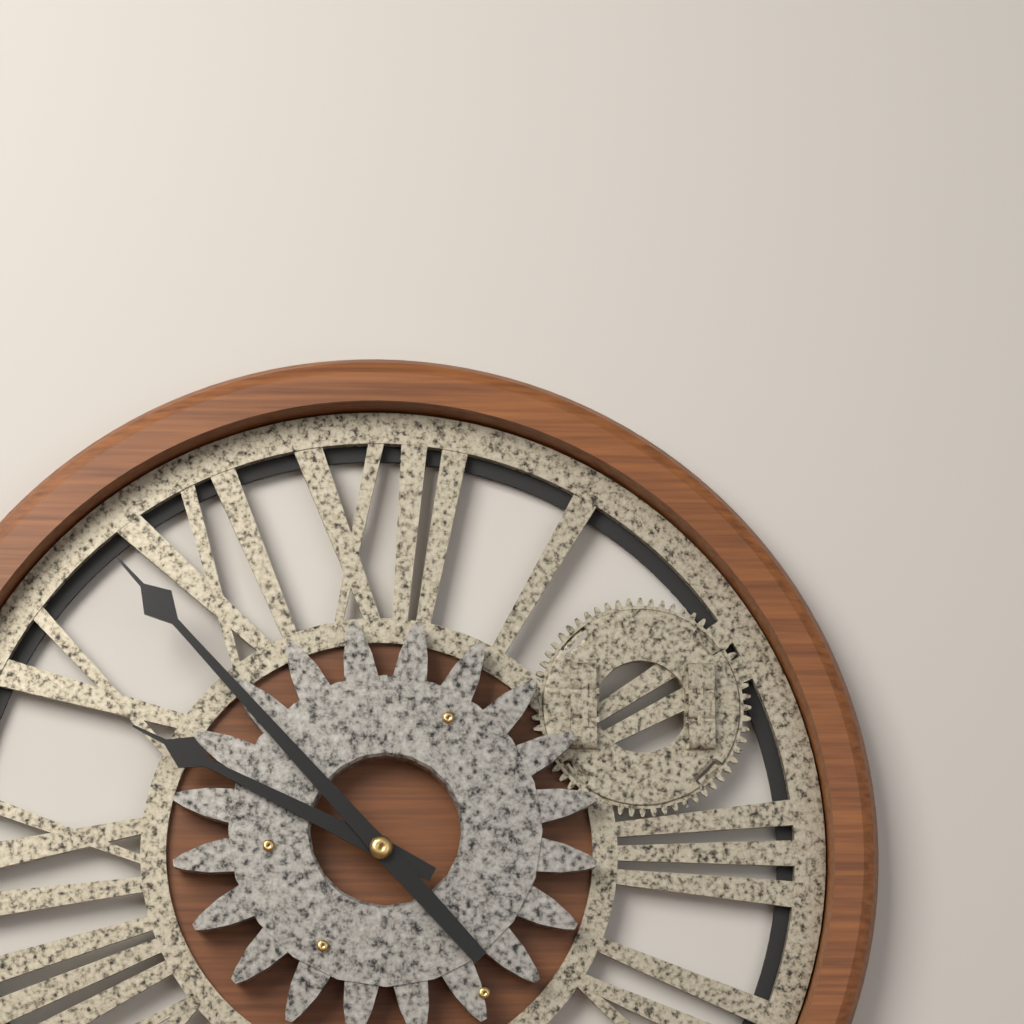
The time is **9:53**
